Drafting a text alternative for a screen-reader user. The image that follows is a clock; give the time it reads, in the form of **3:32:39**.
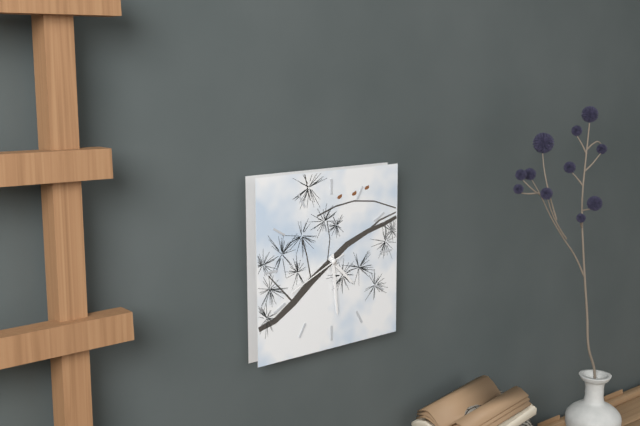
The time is **4:29:41**
